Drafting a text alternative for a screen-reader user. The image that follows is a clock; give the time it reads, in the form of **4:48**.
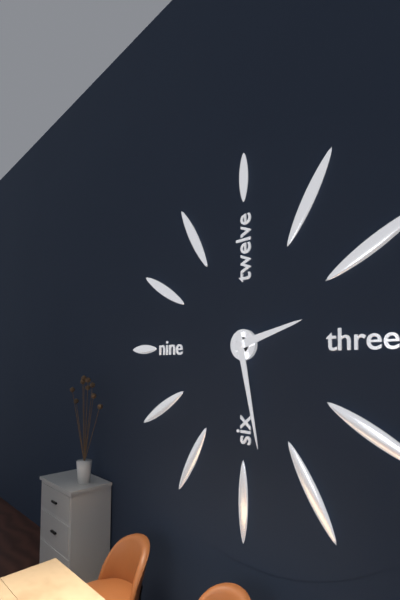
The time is **2:28**
